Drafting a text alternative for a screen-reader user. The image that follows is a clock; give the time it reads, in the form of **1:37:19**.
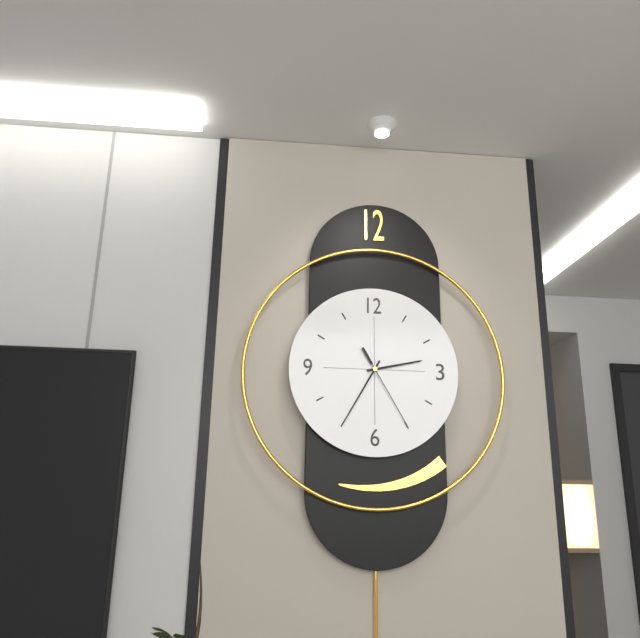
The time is **2:35:25**
